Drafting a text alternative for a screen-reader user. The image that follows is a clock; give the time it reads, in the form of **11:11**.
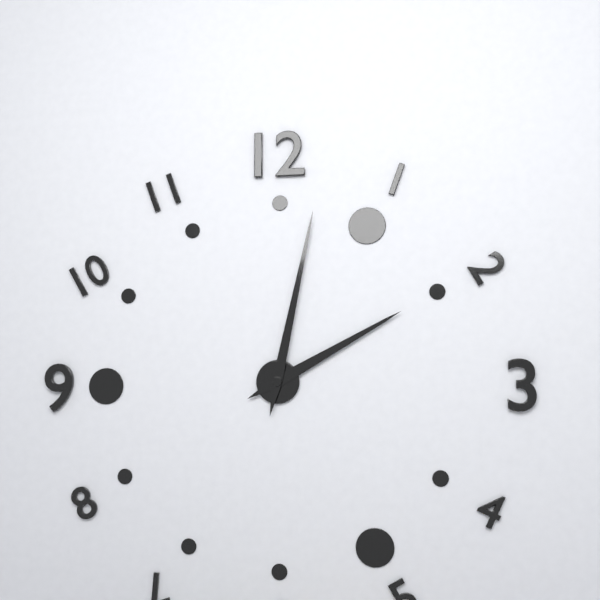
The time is **2:02**
